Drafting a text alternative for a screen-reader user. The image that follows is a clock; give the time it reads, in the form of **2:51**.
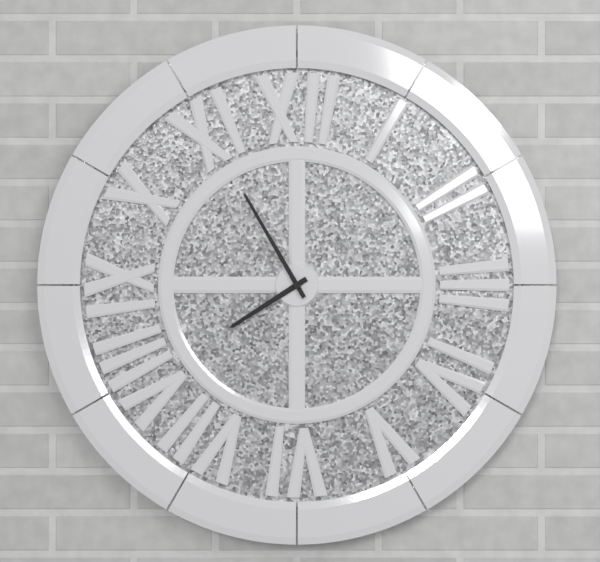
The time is **7:55**
